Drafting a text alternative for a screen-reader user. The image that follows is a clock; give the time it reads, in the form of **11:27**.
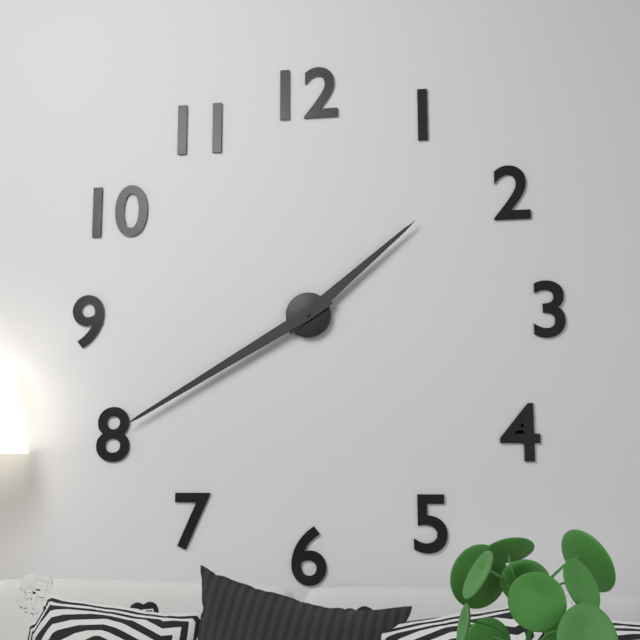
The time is **1:40**
